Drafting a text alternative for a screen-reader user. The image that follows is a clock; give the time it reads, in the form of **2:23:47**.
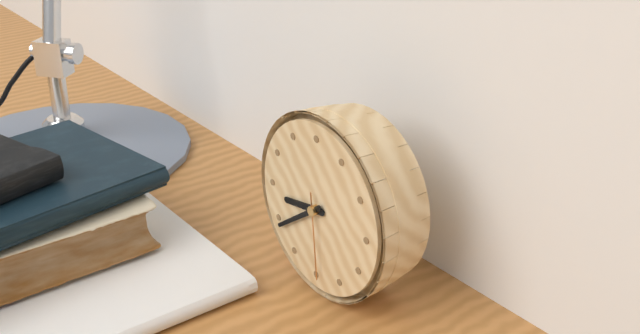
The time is **8:39:29**
